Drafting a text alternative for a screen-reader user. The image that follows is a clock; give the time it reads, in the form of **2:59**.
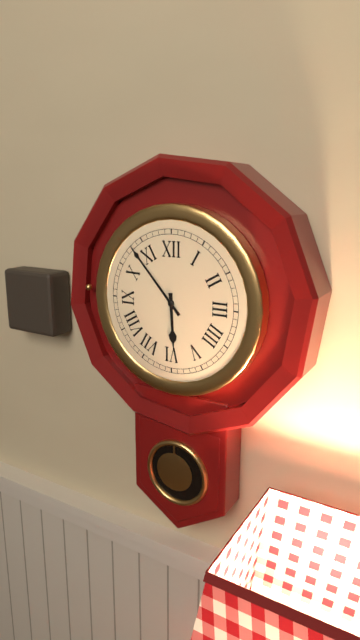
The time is **5:53**
